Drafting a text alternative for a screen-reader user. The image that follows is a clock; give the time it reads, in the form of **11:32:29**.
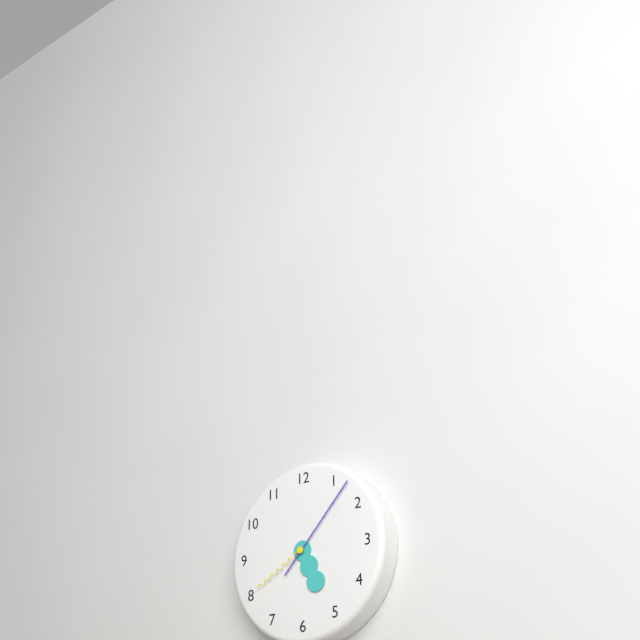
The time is **5:07:40**
